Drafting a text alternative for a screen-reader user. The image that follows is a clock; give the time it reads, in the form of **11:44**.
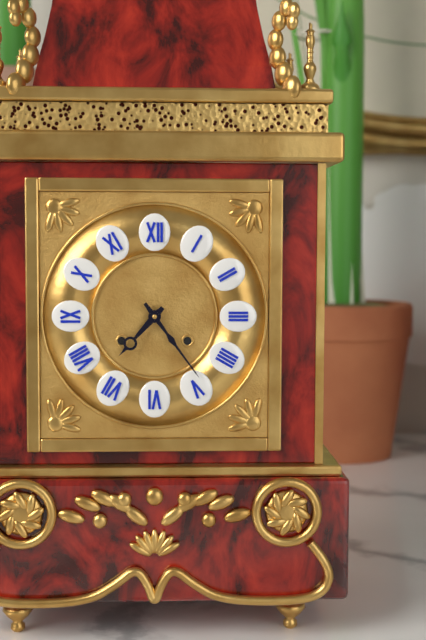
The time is **7:24**
